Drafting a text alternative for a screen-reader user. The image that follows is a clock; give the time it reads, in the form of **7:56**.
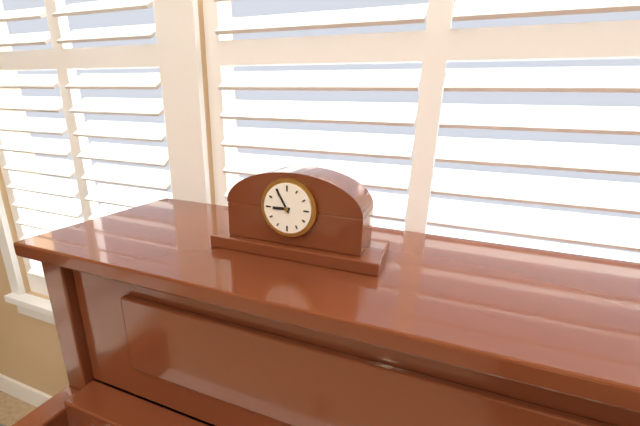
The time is **8:55**
